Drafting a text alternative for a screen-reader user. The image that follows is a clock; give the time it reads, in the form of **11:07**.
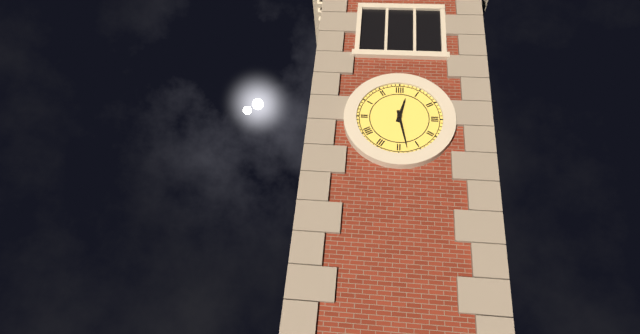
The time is **12:28**
